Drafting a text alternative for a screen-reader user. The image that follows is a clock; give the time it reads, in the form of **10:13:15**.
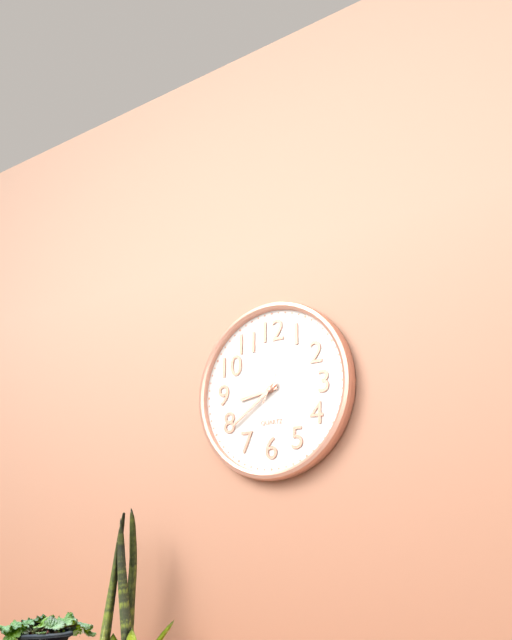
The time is **8:39:05**
